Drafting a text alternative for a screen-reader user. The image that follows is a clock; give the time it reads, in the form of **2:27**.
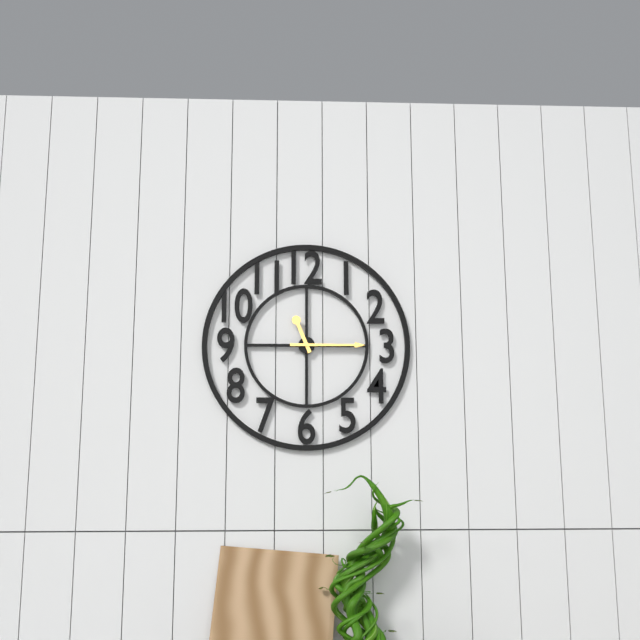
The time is **11:15**
